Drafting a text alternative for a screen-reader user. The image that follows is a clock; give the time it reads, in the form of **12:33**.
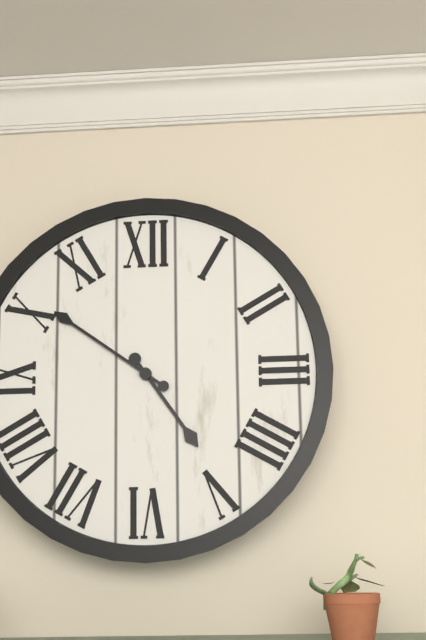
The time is **4:51**
